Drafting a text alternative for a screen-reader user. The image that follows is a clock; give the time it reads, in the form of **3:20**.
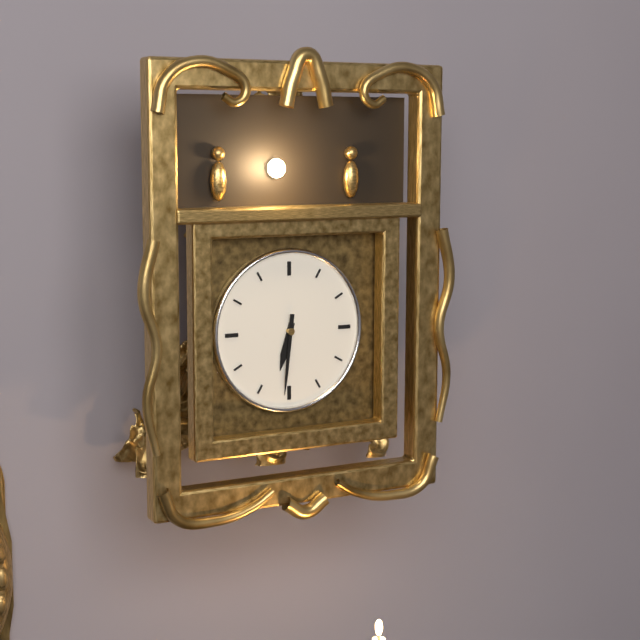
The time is **6:31**
